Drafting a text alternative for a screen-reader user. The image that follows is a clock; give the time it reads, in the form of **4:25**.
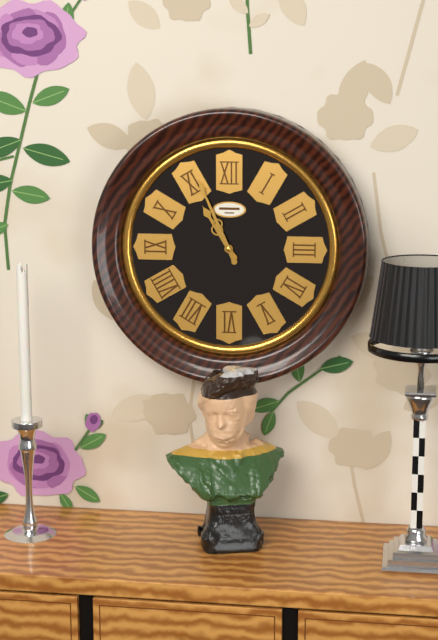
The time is **10:56**
